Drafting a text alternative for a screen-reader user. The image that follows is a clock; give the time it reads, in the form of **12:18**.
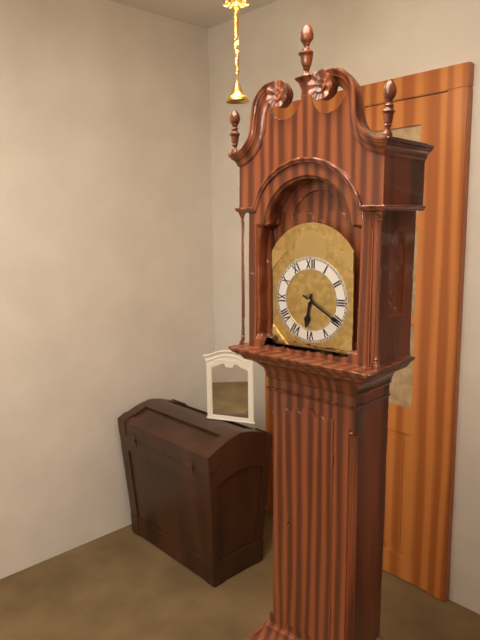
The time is **6:20**
